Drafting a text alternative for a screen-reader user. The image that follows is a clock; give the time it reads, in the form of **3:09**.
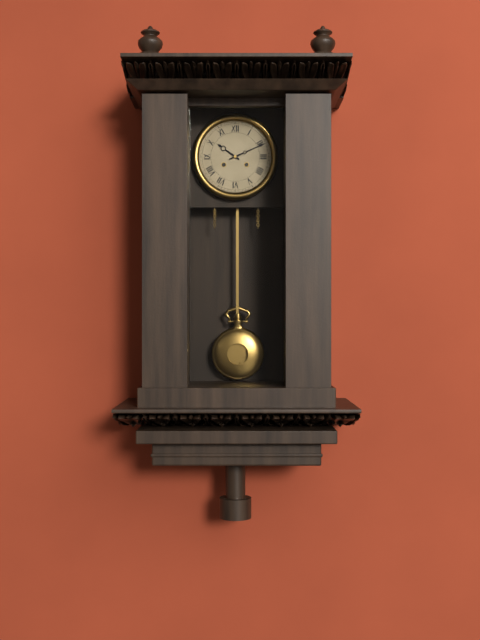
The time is **10:11**
